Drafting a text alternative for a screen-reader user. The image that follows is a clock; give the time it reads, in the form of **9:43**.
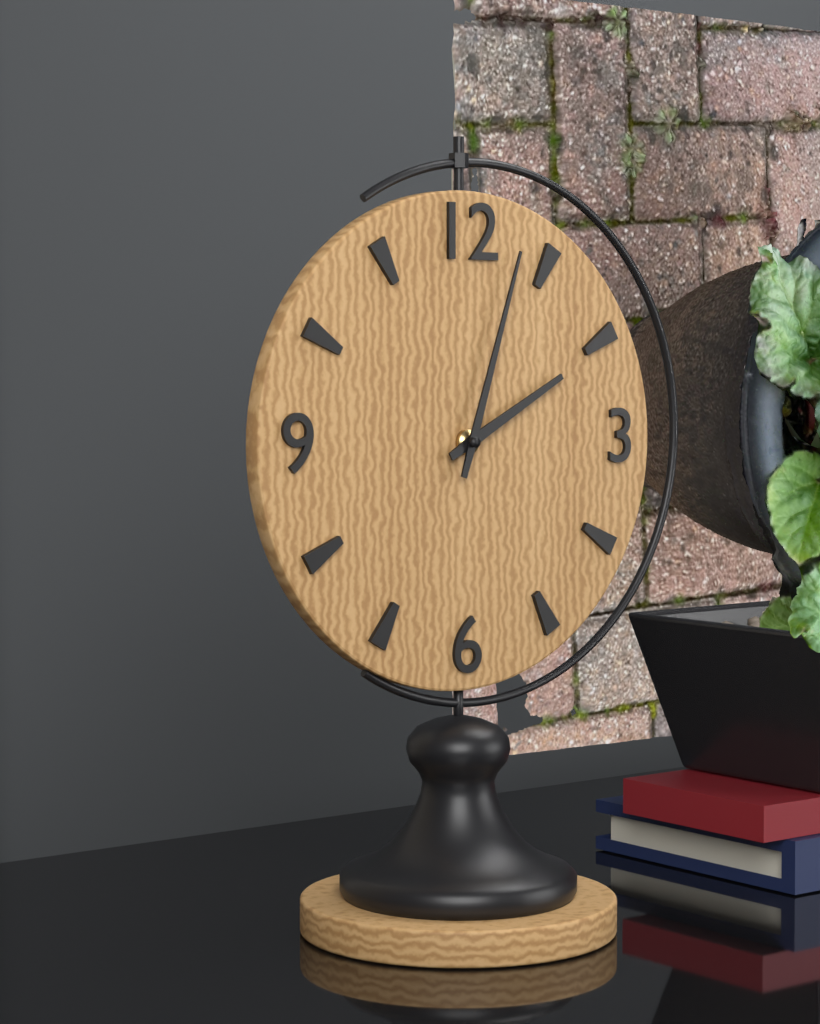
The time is **2:03**
